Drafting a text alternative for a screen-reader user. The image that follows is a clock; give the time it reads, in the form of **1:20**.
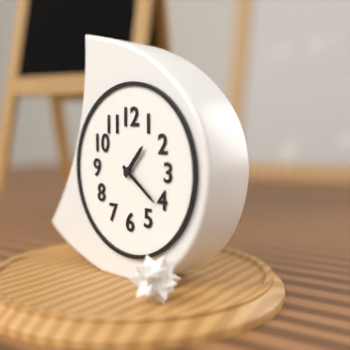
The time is **1:21**
